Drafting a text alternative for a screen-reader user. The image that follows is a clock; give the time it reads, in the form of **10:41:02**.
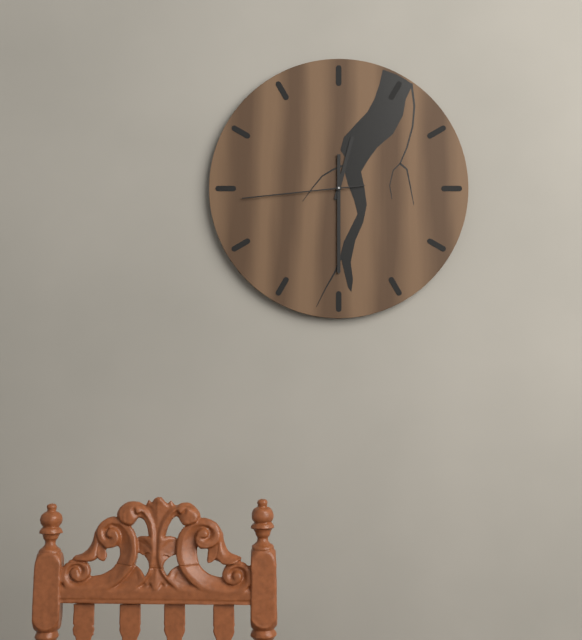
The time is **12:30:44**
